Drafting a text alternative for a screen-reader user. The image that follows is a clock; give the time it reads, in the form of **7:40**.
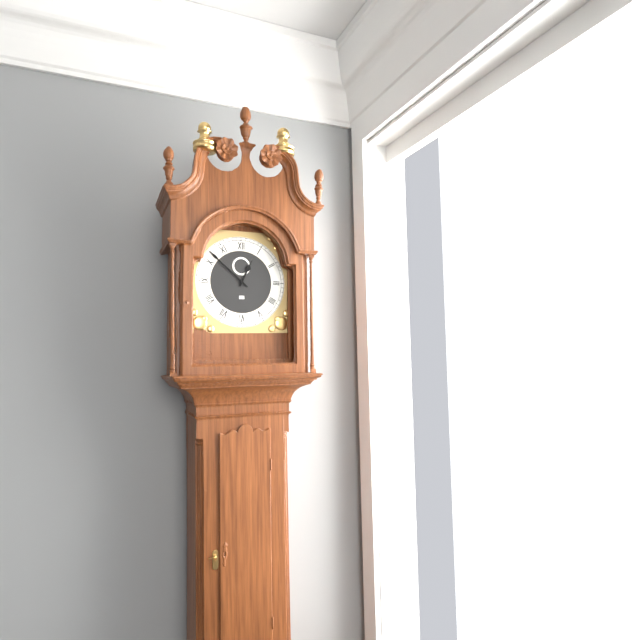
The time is **12:52**
